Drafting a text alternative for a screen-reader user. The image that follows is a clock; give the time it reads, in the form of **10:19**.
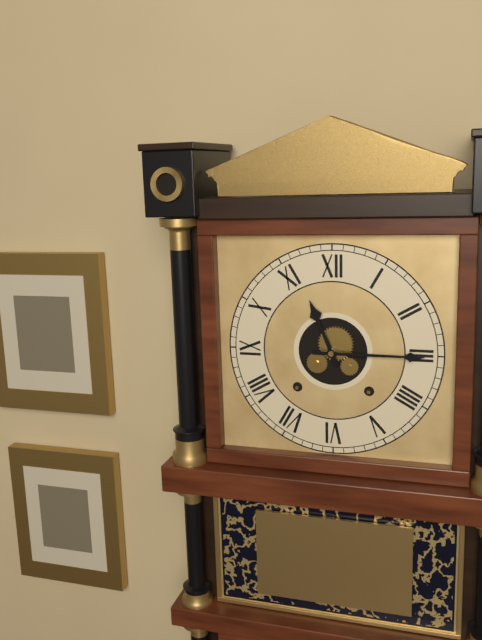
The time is **11:15**
